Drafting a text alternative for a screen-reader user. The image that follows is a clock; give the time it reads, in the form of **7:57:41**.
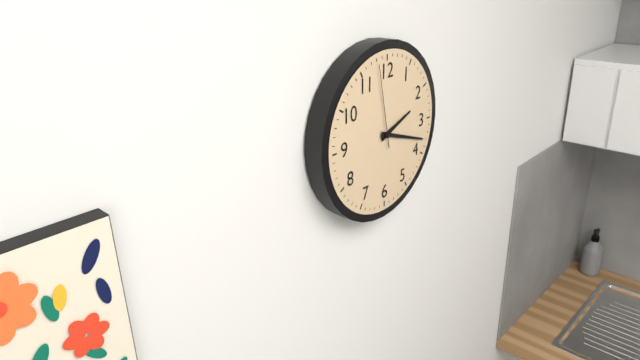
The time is **2:18:58**
